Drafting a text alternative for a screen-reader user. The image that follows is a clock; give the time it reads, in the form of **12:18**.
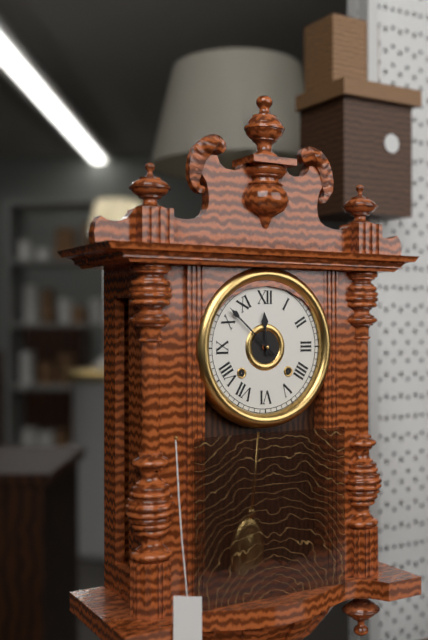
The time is **11:52**
